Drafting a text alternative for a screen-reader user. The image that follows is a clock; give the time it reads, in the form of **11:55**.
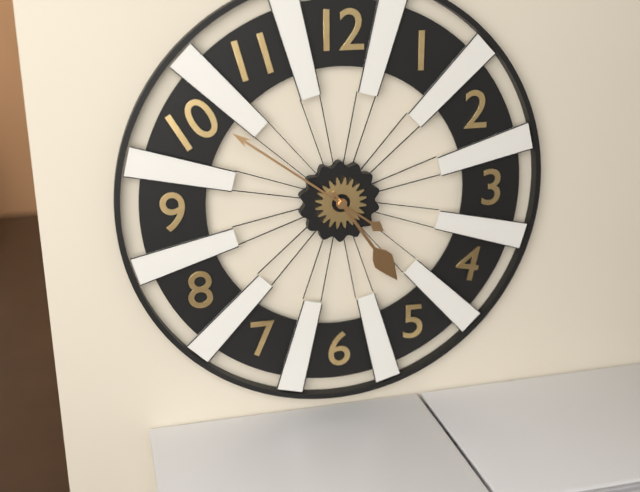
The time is **4:51**
